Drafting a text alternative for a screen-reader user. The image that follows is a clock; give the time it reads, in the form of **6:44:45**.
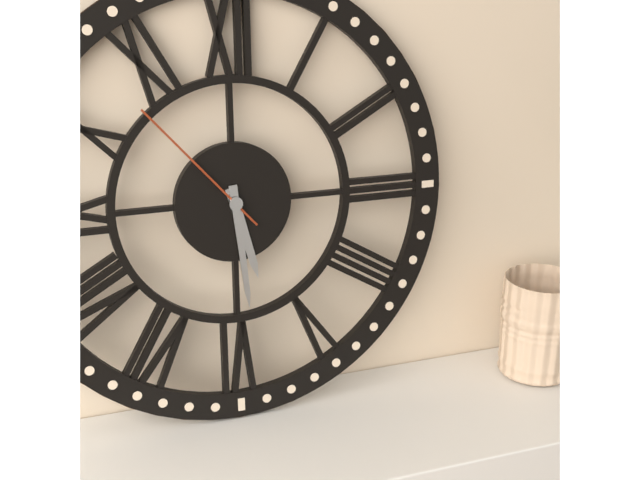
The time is **5:29:53**
